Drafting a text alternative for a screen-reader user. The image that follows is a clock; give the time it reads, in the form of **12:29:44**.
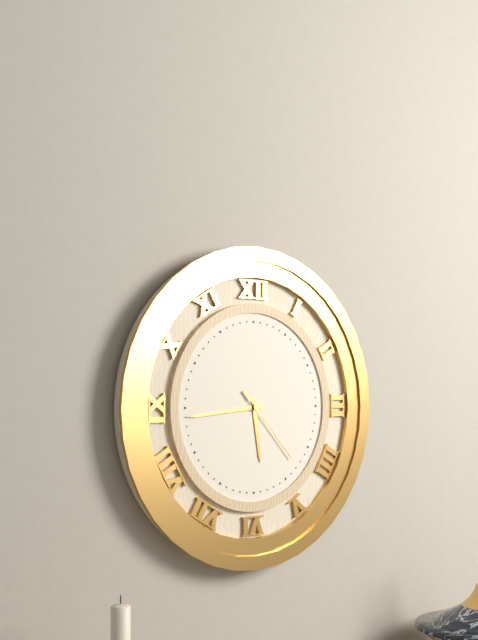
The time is **5:44:23**
